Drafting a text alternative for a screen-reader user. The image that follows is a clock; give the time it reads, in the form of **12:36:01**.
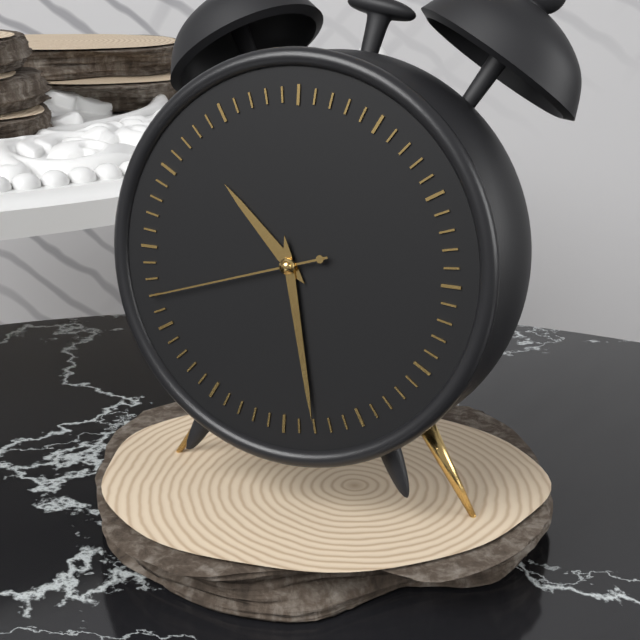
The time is **10:28:42**
